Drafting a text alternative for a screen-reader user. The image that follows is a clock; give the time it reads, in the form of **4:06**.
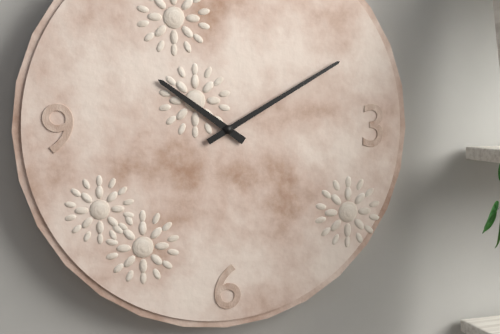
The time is **10:10**
